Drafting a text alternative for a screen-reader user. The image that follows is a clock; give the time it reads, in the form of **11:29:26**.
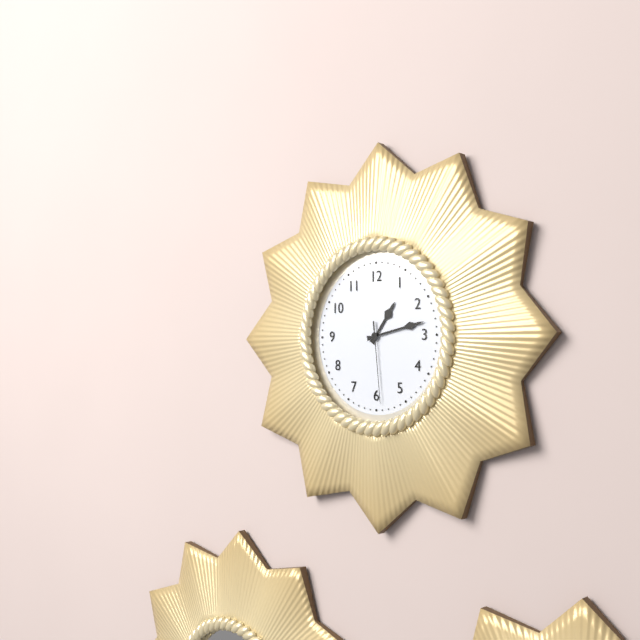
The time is **1:13:29**
